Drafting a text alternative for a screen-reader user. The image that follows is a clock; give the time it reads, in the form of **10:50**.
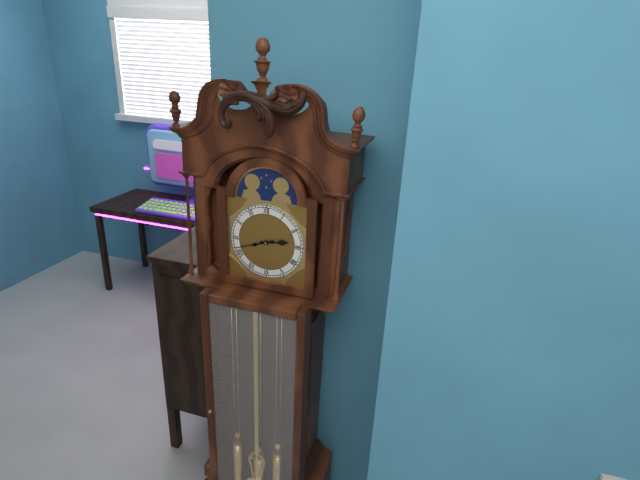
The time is **2:42**
